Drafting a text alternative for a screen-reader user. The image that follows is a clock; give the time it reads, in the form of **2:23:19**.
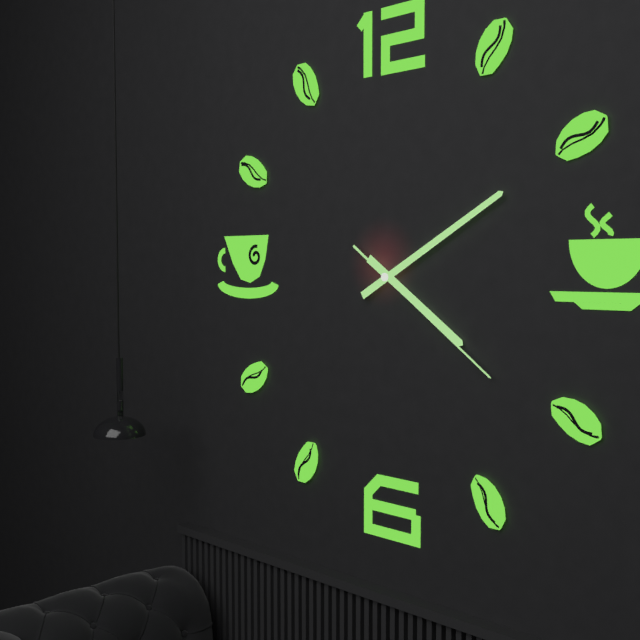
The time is **4:10:21**
